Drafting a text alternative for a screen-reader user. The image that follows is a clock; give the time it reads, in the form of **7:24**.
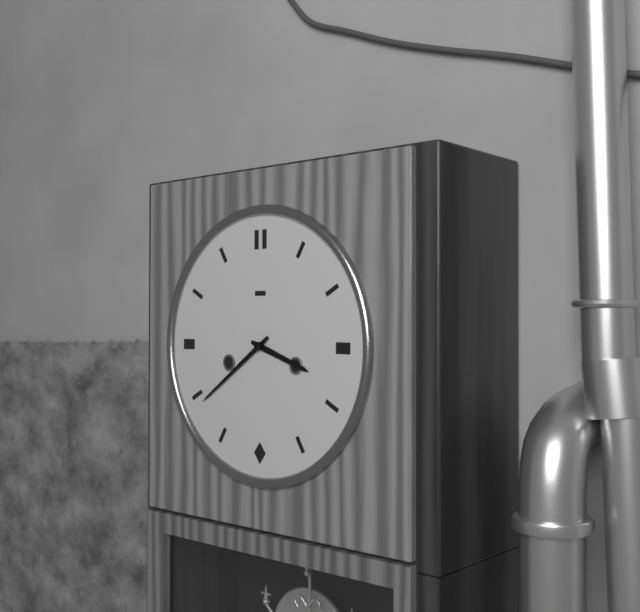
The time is **3:39**
